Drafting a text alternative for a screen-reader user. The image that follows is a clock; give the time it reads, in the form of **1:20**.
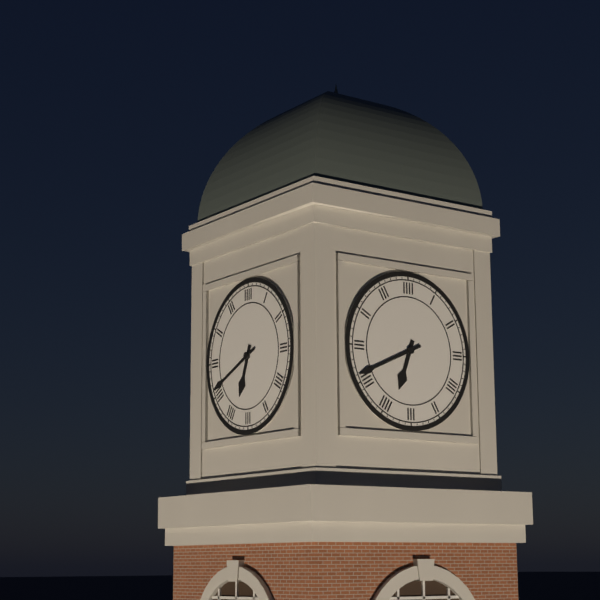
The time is **6:41**
